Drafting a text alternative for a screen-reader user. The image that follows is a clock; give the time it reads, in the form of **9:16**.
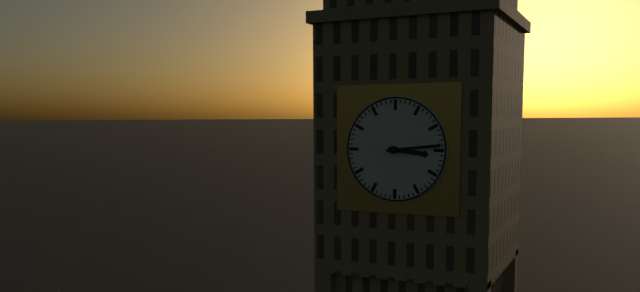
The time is **3:14**
